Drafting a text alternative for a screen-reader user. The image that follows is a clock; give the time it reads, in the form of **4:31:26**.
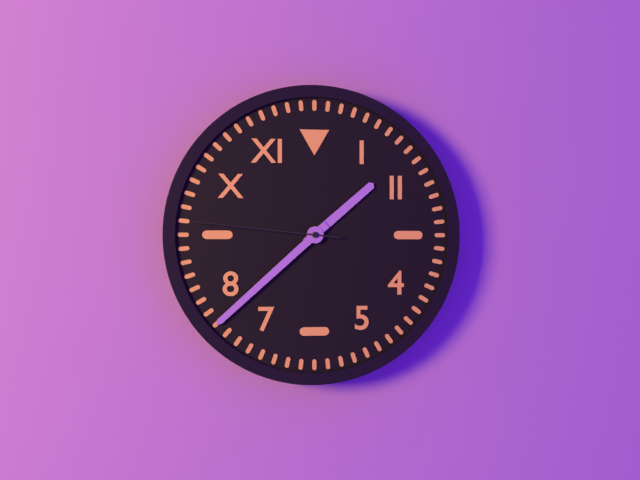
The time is **1:38:46**
